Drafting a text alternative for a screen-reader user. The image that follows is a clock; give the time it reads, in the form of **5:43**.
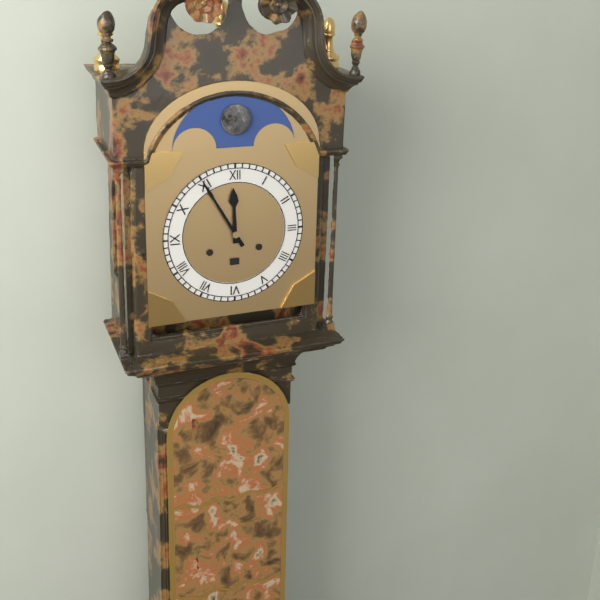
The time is **11:55**
